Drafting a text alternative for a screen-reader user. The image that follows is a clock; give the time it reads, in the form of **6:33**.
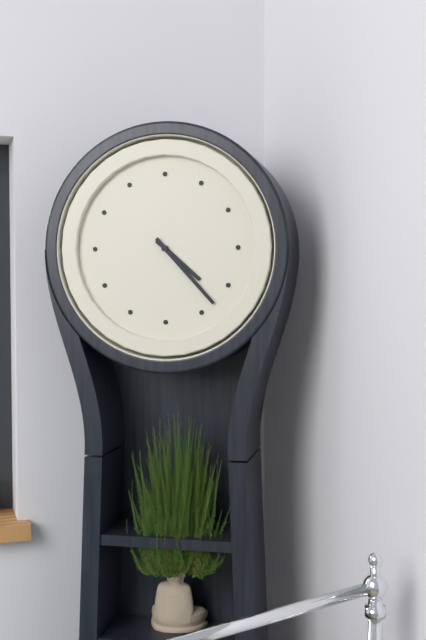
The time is **4:23**
